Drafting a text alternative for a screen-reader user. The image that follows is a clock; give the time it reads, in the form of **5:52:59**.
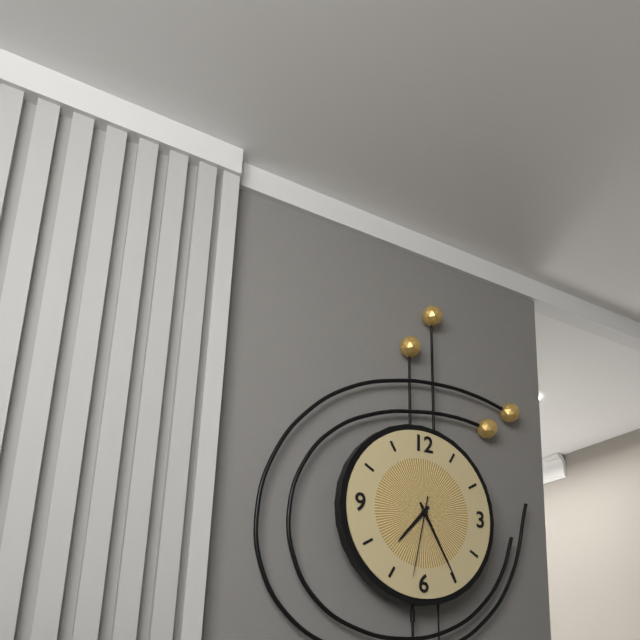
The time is **7:25:32**
